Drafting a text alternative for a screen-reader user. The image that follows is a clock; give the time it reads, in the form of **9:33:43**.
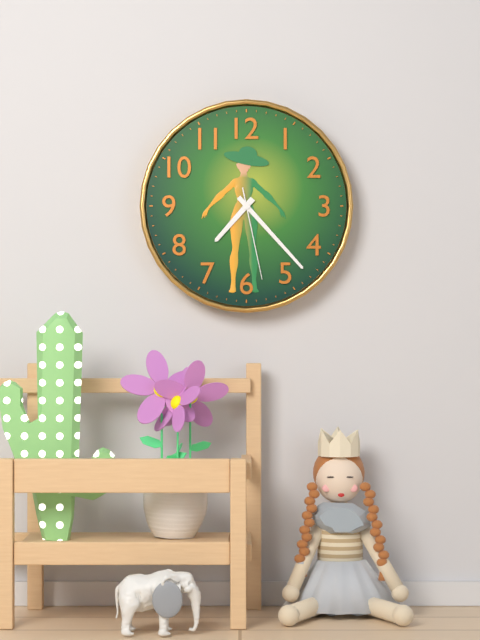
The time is **7:23:28**
